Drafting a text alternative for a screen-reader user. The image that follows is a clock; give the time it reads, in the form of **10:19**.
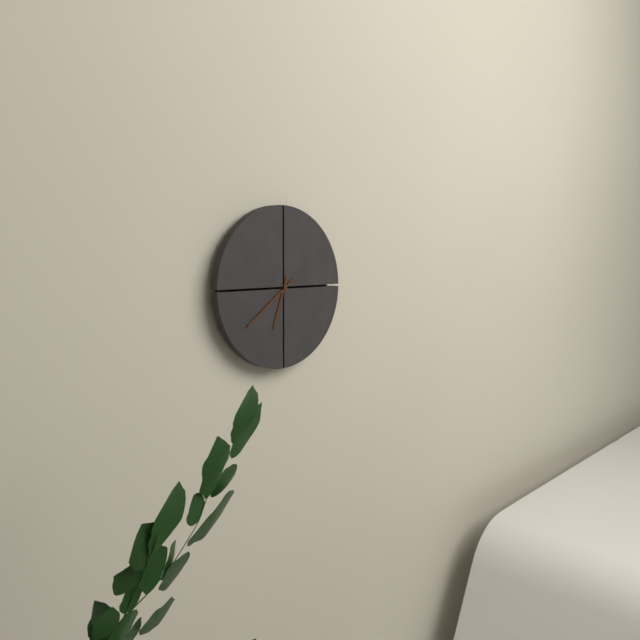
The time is **6:39**
